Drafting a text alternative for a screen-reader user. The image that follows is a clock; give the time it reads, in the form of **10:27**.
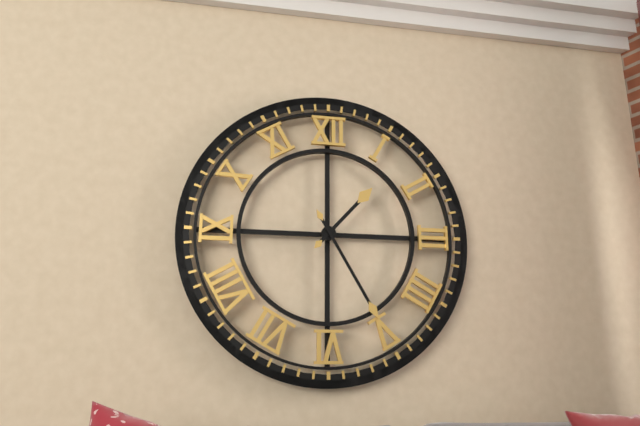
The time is **1:25**
